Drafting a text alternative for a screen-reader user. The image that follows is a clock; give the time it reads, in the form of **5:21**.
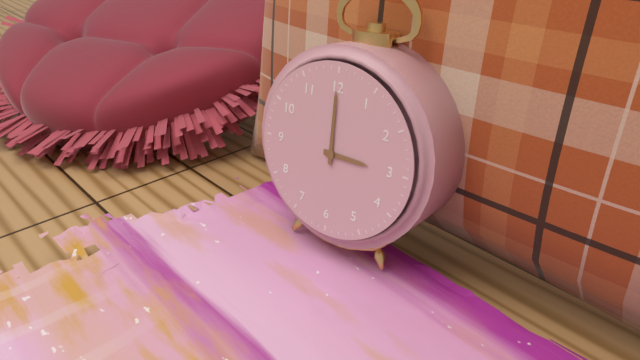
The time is **3:00**
